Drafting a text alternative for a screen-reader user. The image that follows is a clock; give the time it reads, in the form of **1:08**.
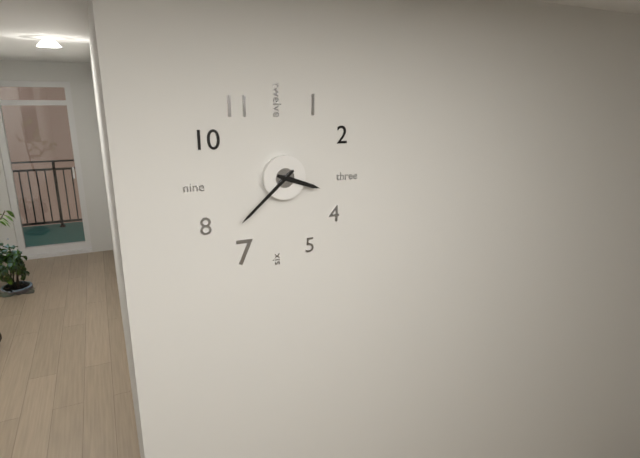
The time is **3:38**
